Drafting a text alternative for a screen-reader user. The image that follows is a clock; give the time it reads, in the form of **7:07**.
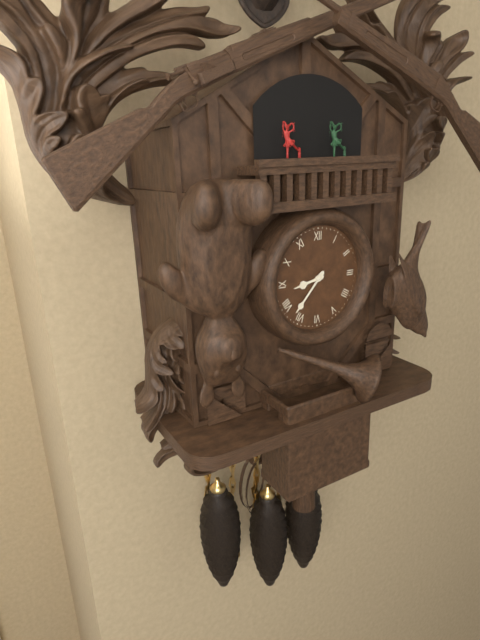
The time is **8:37**
